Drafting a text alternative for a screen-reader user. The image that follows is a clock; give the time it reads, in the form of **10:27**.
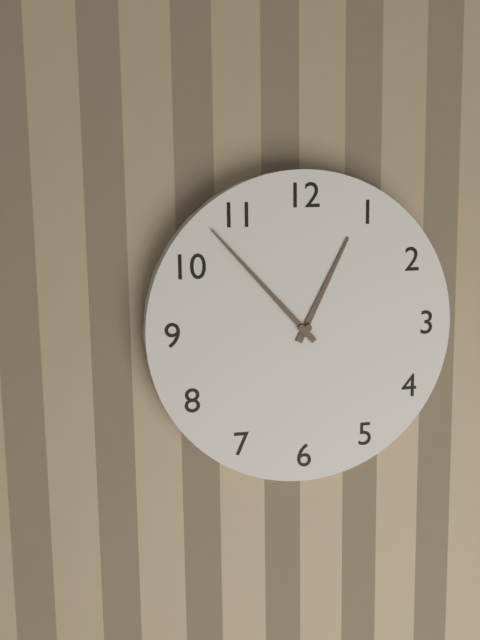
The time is **12:53**
